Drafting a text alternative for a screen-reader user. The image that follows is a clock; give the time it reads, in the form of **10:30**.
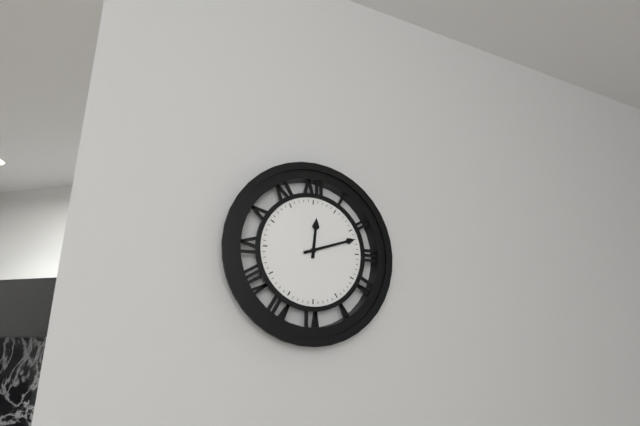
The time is **12:12**
